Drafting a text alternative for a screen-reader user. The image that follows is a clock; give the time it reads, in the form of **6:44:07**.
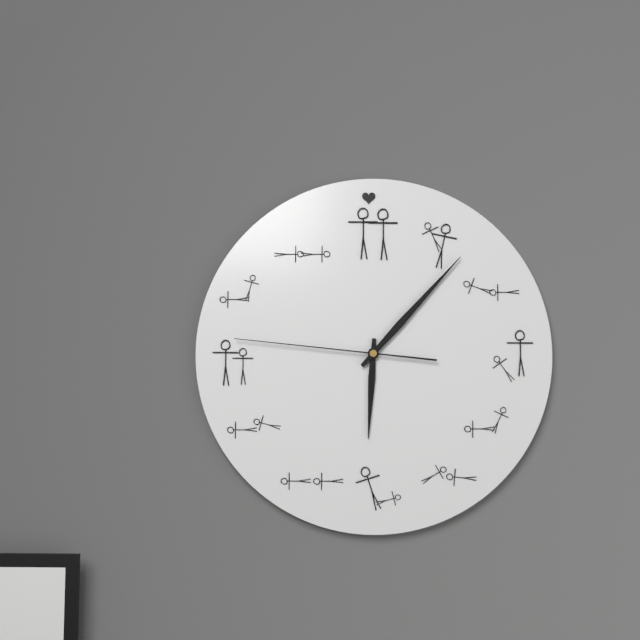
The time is **6:07:46**
